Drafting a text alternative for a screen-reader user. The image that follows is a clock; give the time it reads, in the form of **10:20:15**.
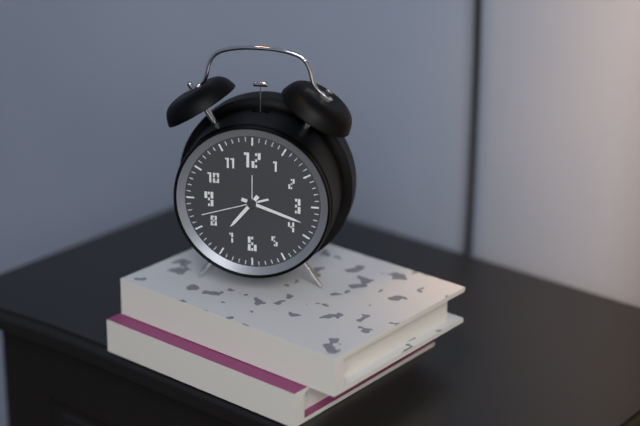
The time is **7:18:42**
